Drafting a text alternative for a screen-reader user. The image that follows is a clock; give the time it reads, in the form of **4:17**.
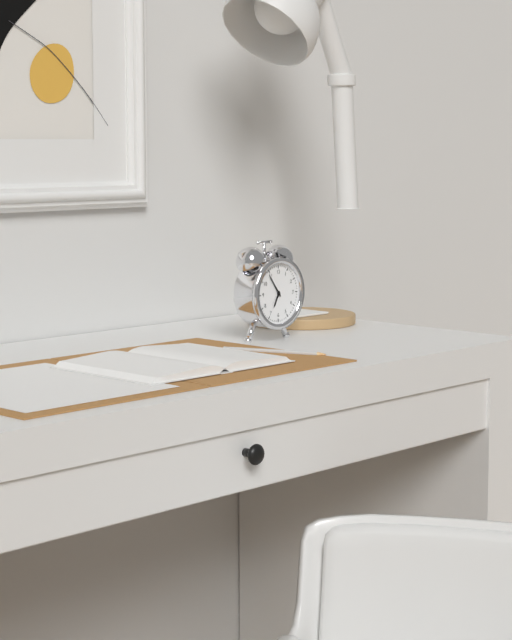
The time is **6:54**
